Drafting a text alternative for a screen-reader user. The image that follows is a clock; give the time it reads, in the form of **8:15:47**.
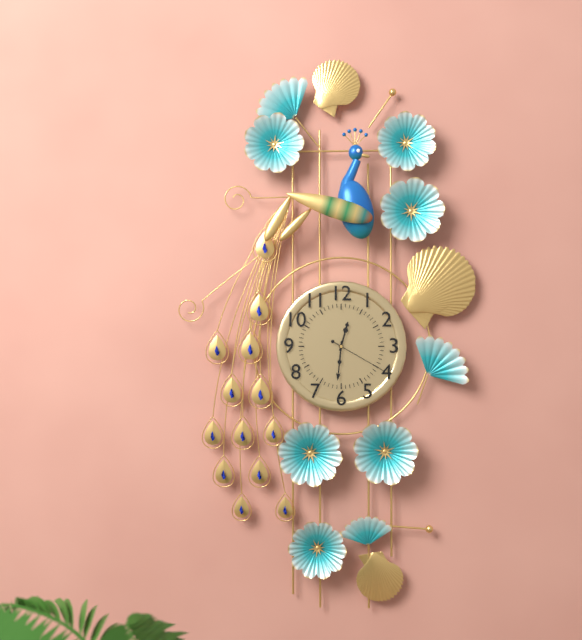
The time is **12:31:20**
